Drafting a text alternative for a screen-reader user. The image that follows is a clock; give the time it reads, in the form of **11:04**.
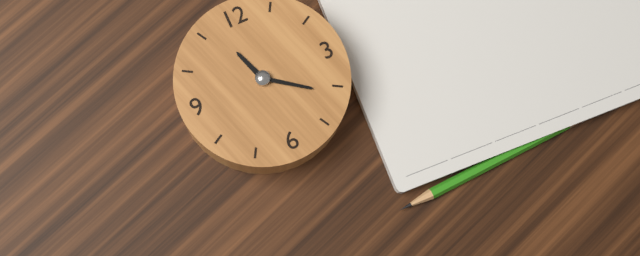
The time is **11:21**
